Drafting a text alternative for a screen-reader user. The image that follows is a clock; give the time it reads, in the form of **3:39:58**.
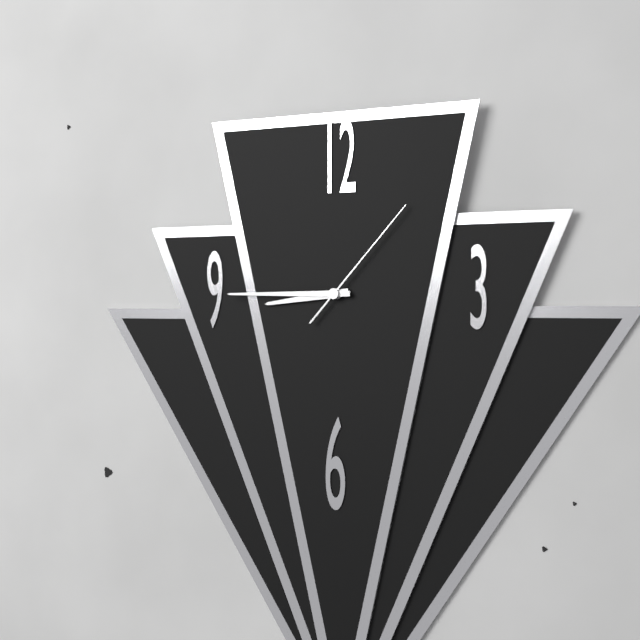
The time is **8:45:07**
